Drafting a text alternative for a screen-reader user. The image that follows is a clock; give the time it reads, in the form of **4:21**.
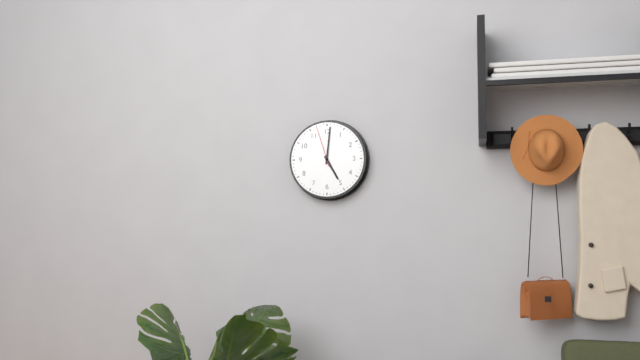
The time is **5:01**
